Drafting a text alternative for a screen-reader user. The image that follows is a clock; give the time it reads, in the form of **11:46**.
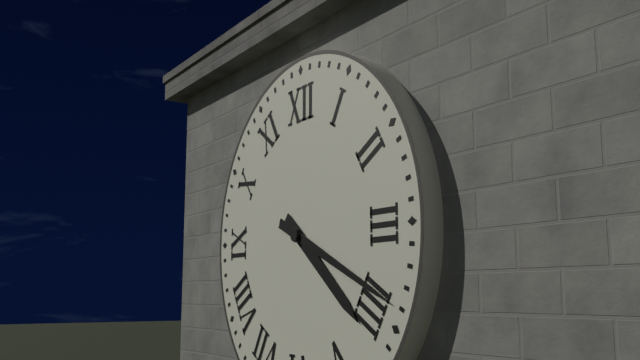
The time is **4:19**
